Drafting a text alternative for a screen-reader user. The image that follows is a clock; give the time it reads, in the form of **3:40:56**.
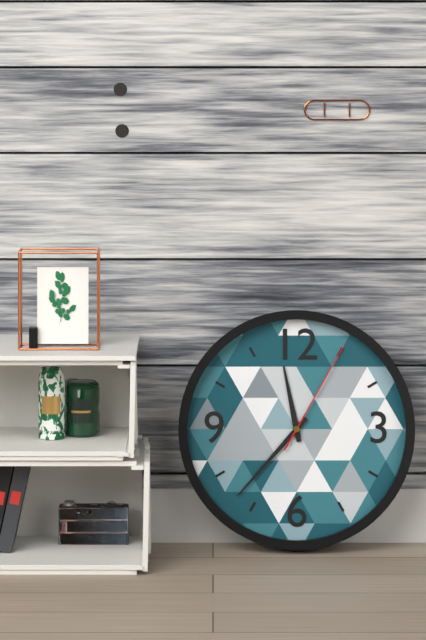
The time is **11:37:05**
